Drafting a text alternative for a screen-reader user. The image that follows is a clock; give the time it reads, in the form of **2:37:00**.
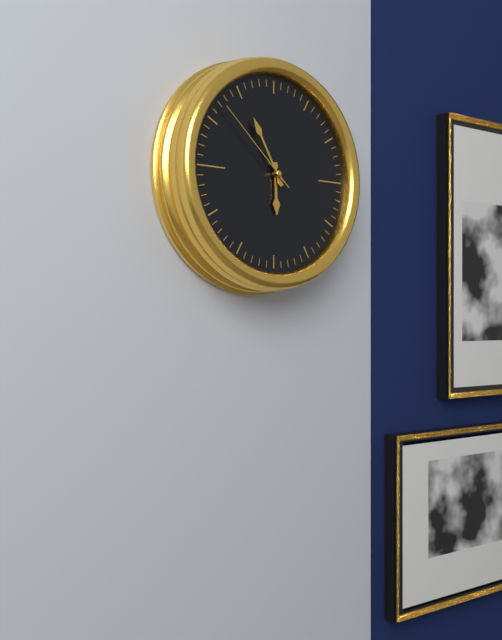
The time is **5:55:52**
